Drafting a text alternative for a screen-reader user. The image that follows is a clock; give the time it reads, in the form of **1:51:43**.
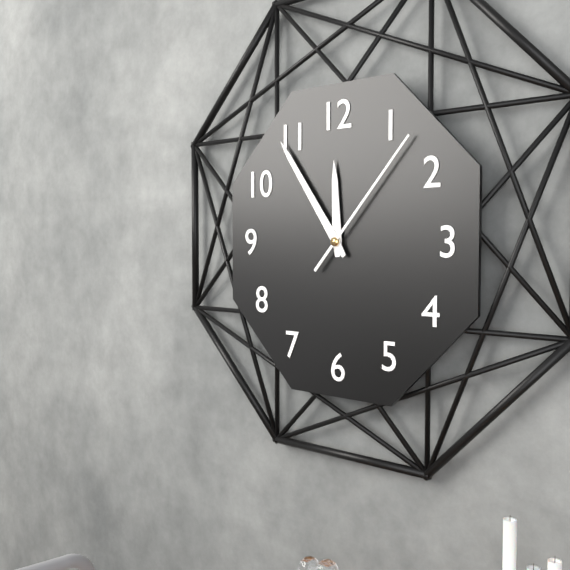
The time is **11:54:07**
